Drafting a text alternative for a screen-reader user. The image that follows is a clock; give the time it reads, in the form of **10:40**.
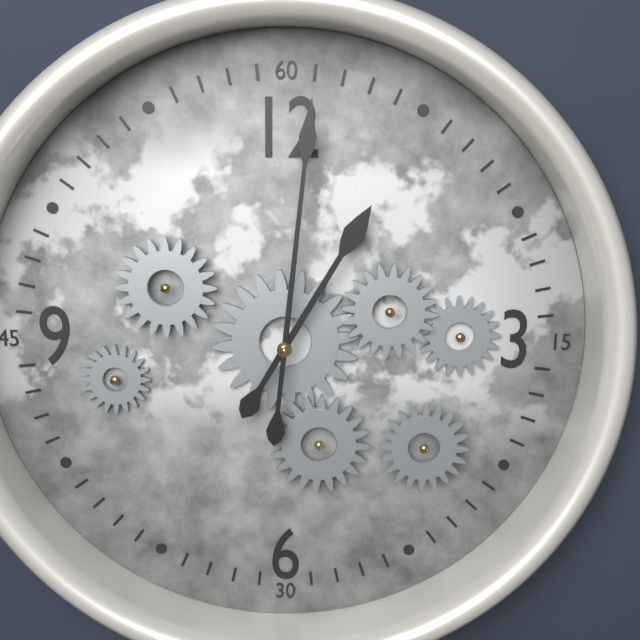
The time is **1:01**
